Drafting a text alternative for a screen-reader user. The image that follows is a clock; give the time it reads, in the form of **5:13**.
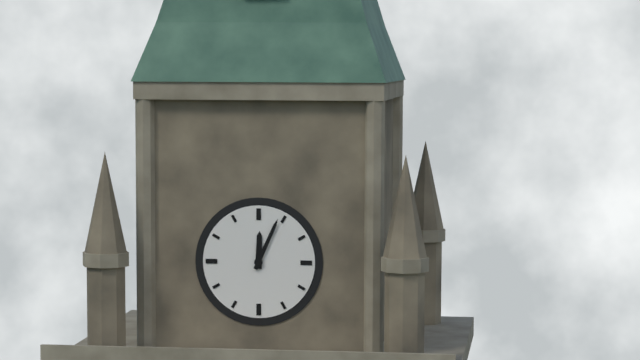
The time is **12:04**
